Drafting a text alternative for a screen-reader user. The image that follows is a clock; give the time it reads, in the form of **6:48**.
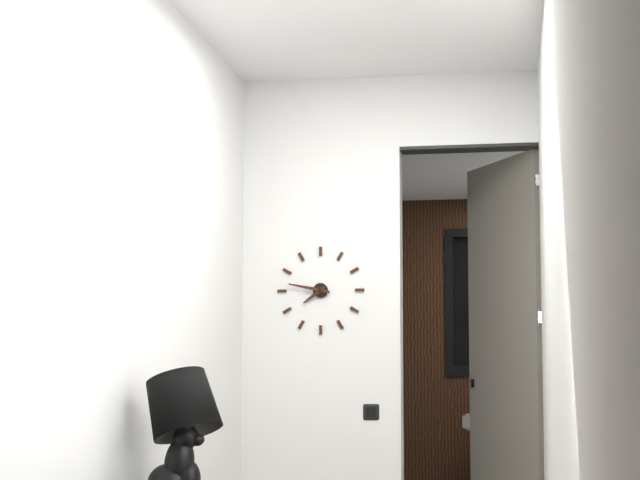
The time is **7:47**
